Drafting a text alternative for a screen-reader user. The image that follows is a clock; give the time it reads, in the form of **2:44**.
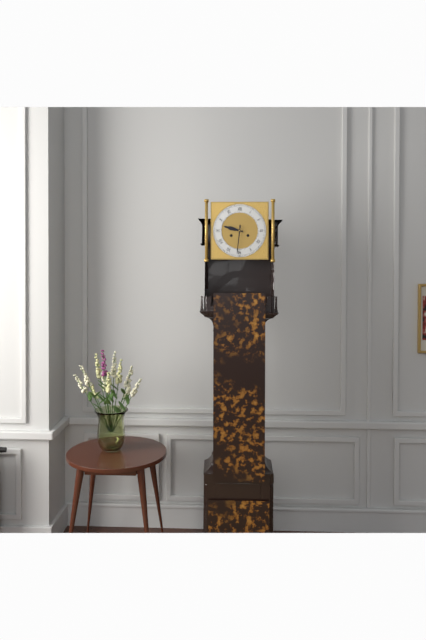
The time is **9:31**
